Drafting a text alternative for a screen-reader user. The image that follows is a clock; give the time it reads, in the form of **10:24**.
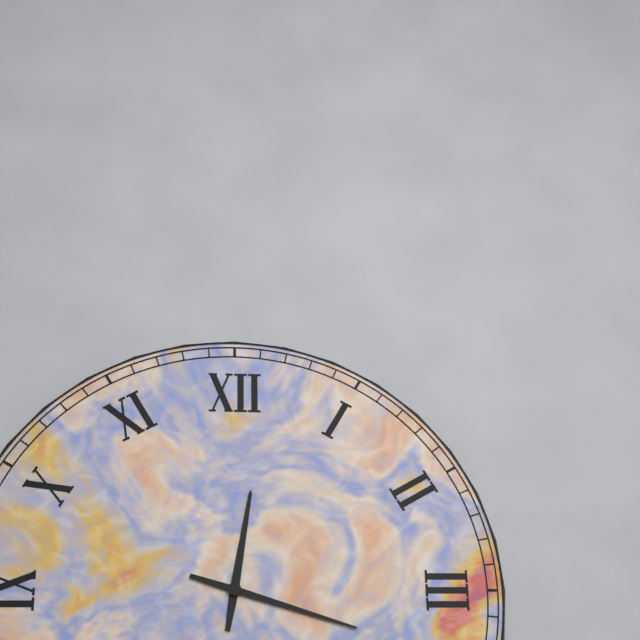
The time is **12:18**
